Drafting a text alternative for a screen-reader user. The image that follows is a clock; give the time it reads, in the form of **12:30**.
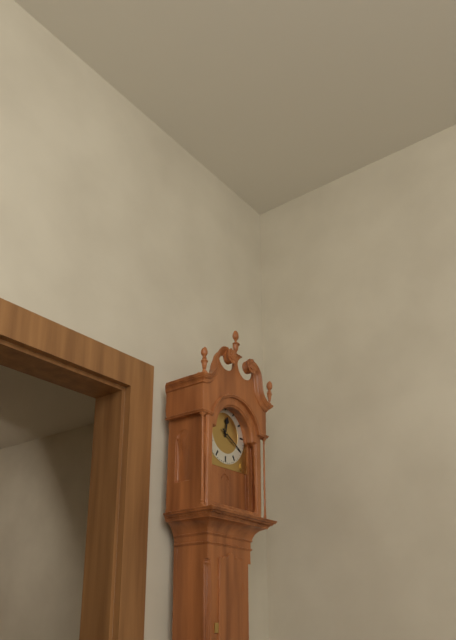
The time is **12:20**
